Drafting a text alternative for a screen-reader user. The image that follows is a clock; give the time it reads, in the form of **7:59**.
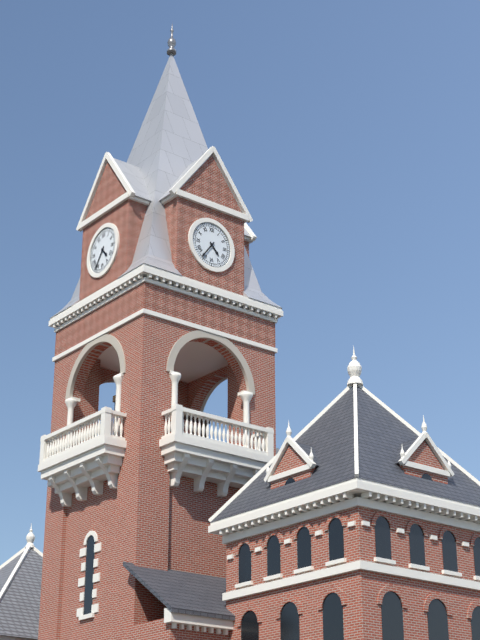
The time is **4:36**
